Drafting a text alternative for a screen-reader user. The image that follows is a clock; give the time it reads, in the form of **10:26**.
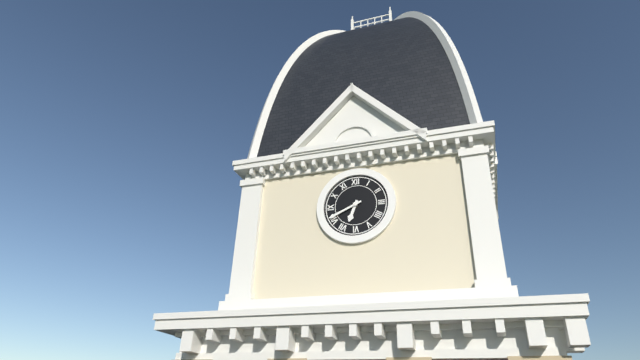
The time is **6:41**
